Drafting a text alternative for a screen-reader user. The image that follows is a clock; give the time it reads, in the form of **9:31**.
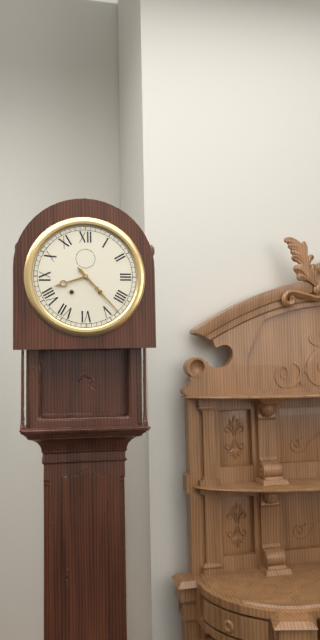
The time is **8:23**
